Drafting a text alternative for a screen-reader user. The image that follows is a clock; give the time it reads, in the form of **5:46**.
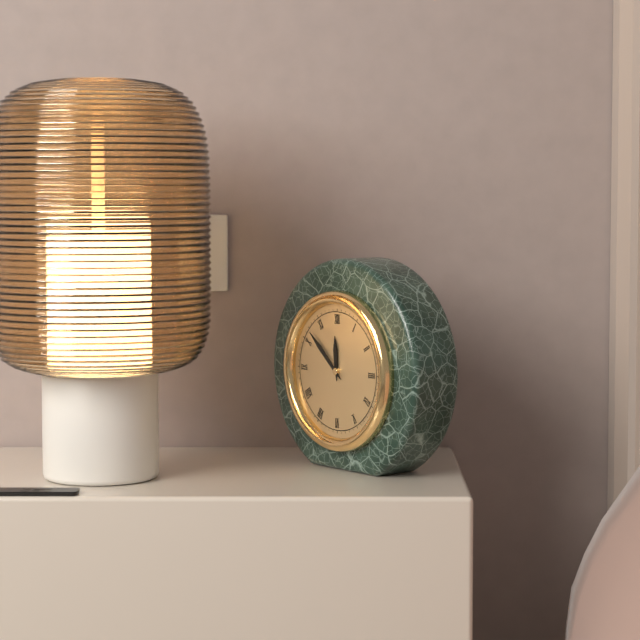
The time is **11:52**
